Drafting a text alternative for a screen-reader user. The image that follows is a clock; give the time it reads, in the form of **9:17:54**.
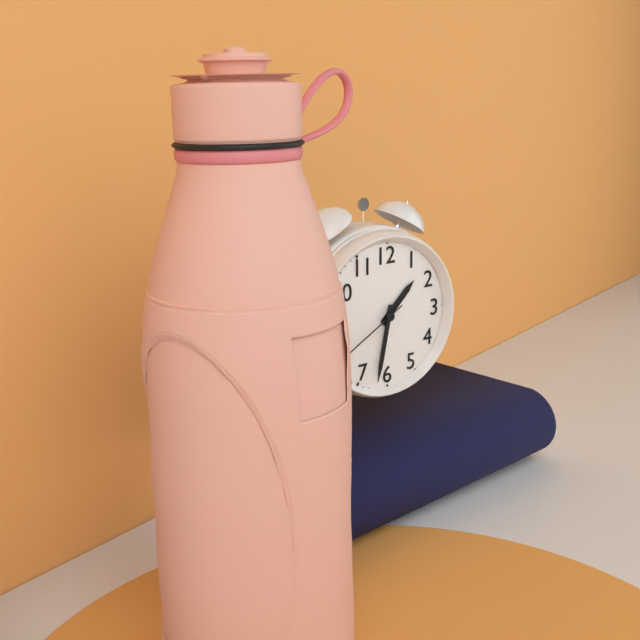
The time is **1:32:40**
